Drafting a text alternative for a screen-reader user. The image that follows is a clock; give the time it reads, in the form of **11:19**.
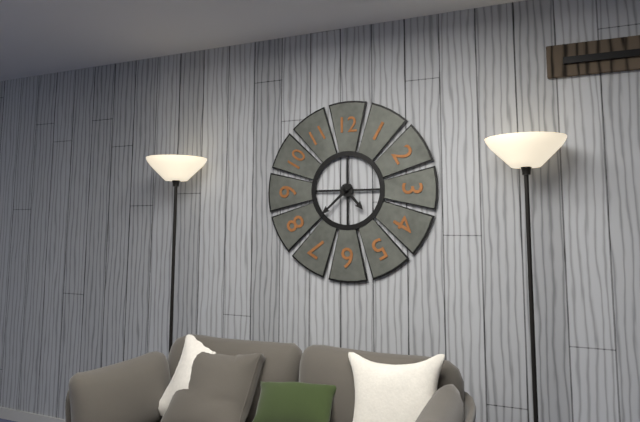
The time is **4:38**
